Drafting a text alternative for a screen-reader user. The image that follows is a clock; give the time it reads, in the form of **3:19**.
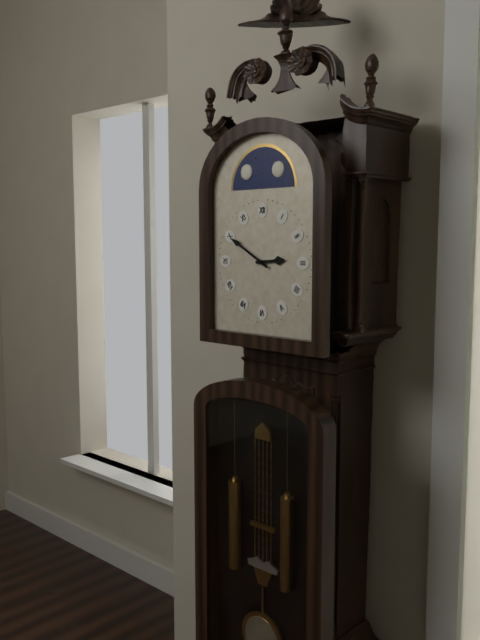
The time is **2:50**
